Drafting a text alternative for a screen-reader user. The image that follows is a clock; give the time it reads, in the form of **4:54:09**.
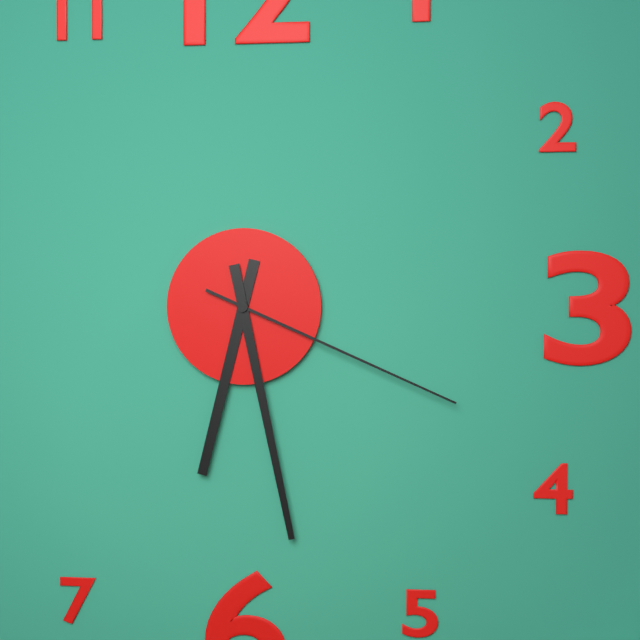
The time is **6:28:19**
